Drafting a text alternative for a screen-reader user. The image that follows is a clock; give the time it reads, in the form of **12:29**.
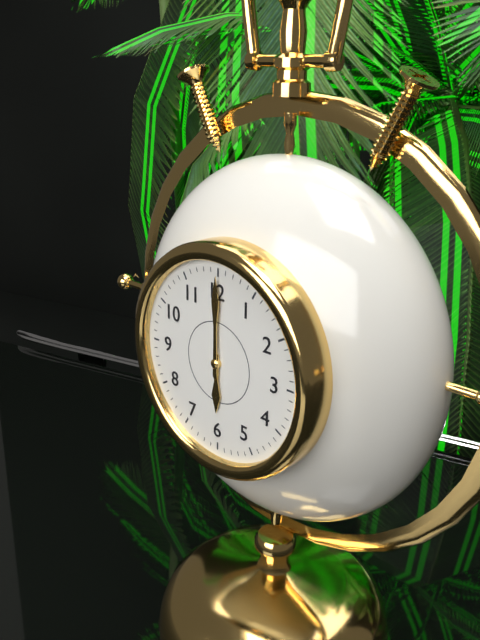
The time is **6:00**
